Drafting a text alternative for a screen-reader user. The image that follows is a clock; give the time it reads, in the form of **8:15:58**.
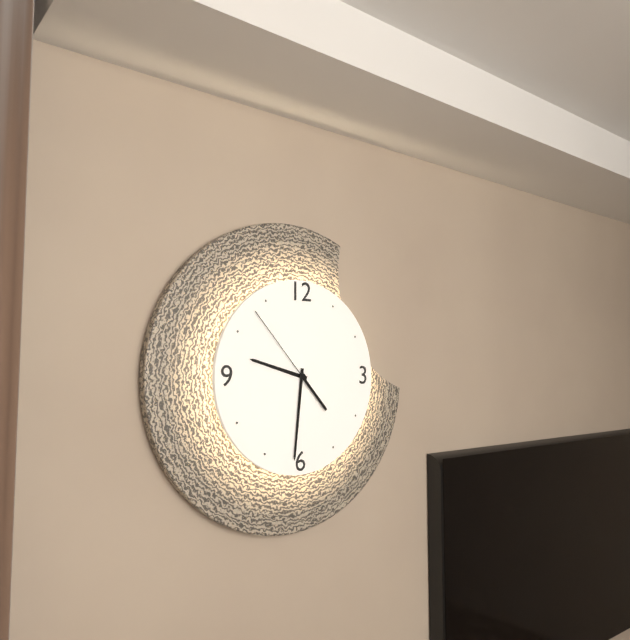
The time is **9:31:53**
